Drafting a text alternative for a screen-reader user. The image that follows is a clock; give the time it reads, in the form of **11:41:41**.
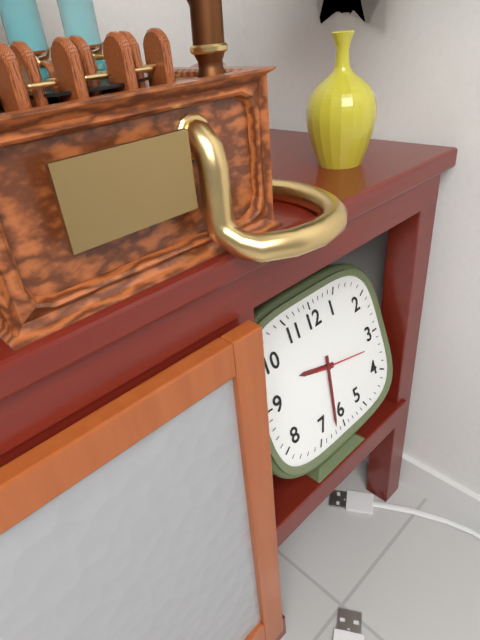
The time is **9:32:17**
